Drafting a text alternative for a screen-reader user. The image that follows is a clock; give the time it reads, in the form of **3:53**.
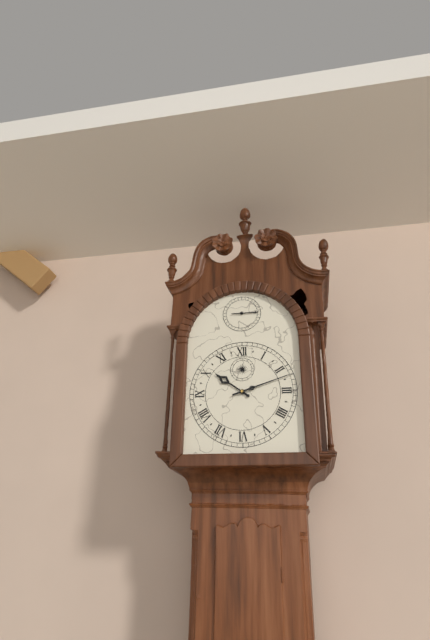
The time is **10:12**
